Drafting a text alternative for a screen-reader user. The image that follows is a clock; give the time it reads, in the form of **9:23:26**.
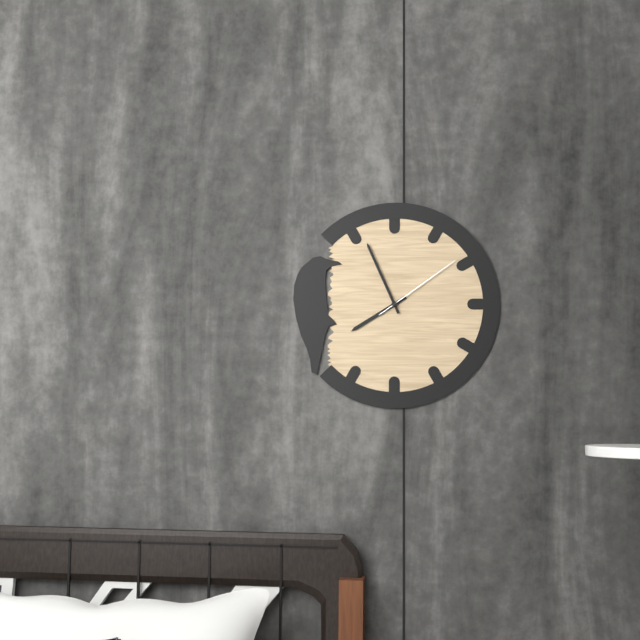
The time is **7:56:09**
